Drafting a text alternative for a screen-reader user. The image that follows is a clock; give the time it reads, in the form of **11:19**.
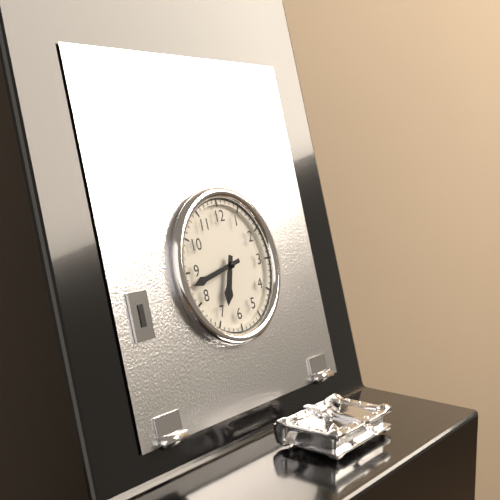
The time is **6:43**
